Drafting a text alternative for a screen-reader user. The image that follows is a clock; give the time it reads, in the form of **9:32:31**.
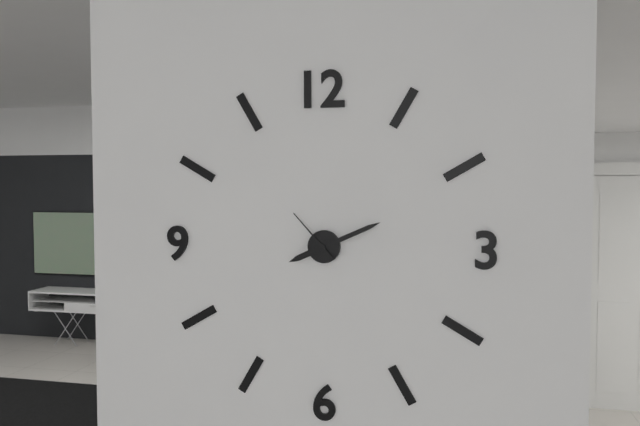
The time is **8:11:53**
